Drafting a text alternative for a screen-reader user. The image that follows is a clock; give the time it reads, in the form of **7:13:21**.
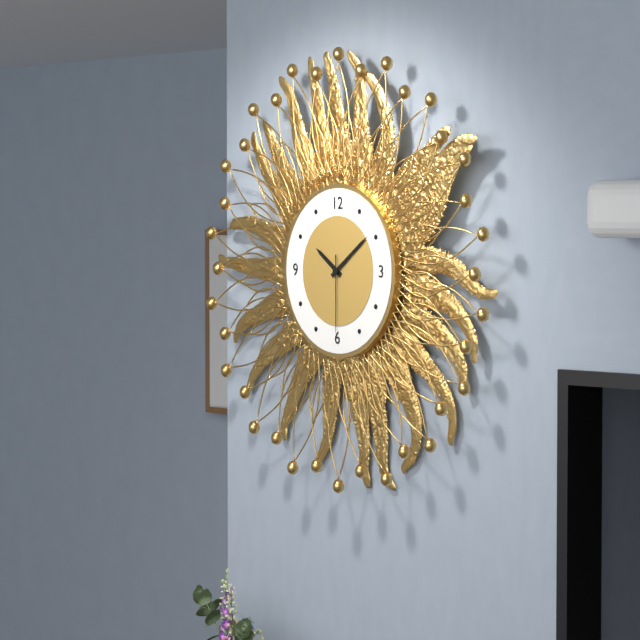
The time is **10:09:30**
